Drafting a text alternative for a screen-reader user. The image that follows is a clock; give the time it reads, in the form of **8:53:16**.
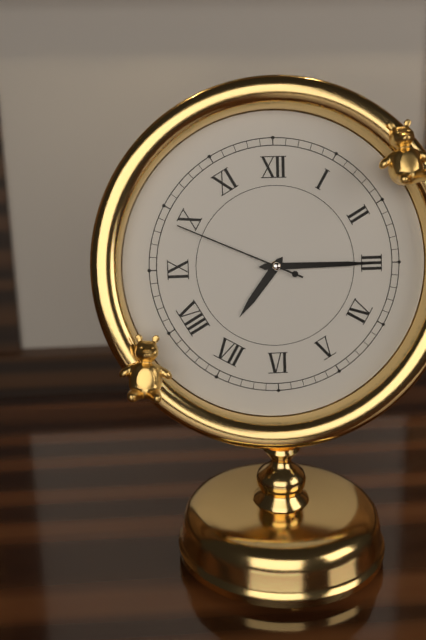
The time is **7:15:49**
